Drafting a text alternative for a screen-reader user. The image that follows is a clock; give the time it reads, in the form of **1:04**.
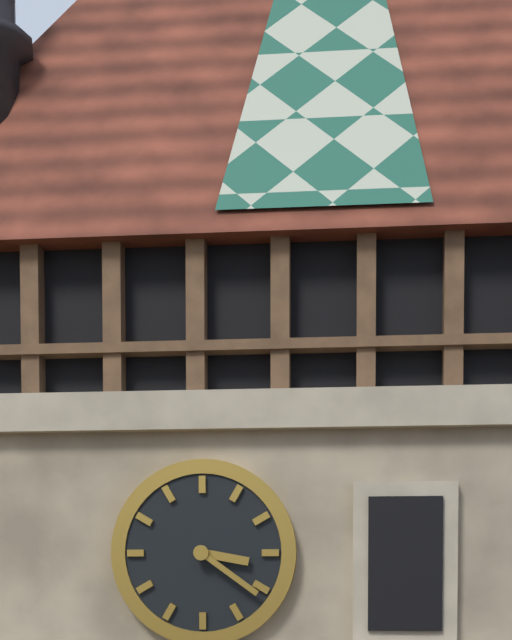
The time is **3:21**
